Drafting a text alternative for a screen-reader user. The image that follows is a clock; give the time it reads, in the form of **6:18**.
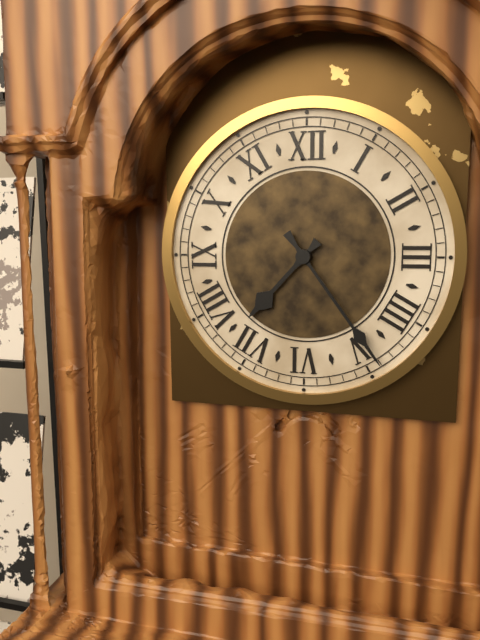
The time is **7:24**
